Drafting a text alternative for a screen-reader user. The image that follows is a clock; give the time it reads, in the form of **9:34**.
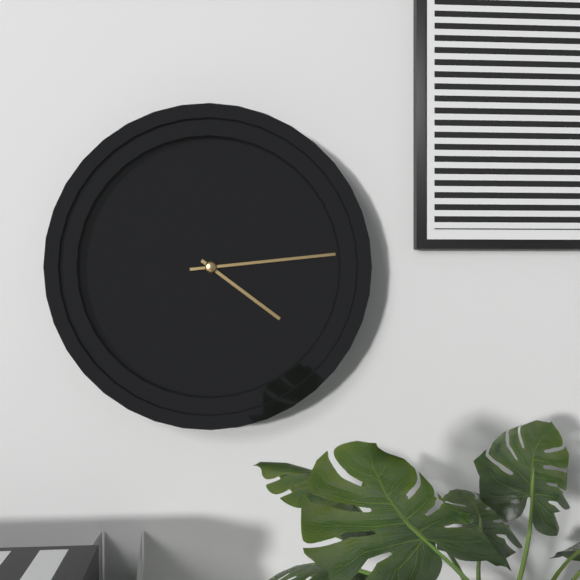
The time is **4:14**
